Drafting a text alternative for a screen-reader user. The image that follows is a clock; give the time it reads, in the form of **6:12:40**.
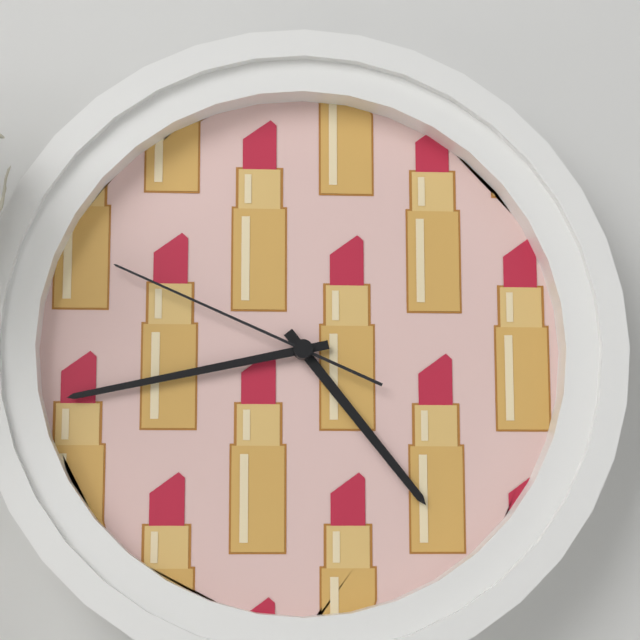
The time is **4:43:49**
